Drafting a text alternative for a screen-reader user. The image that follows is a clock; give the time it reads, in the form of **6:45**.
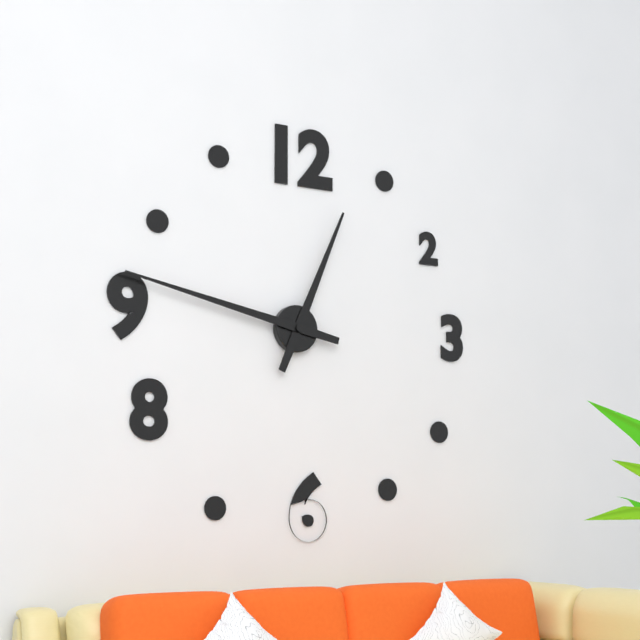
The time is **12:47**
